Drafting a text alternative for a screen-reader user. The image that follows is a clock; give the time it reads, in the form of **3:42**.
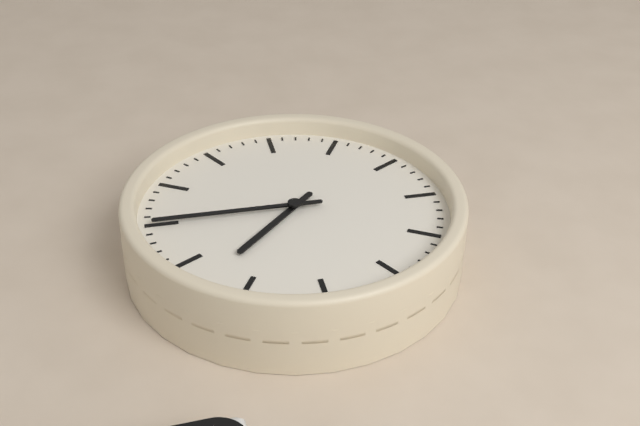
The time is **4:30**
